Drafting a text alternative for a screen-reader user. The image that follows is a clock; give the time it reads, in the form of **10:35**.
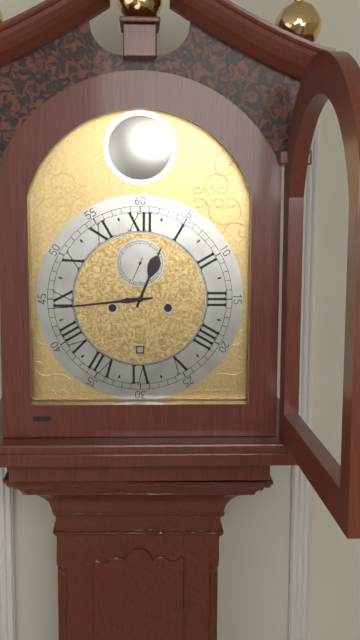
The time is **12:44**
